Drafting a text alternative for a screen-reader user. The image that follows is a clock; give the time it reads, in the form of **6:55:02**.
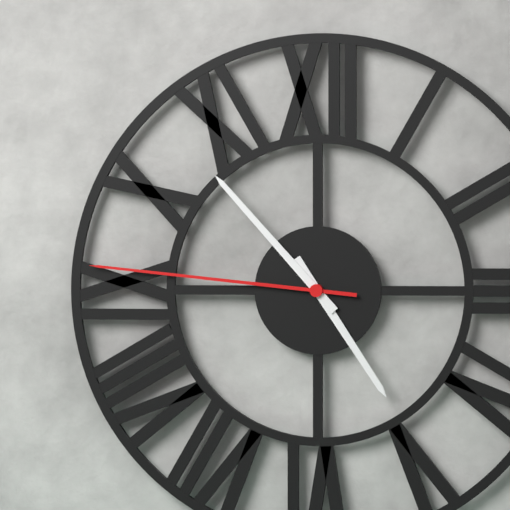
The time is **4:53:46**
